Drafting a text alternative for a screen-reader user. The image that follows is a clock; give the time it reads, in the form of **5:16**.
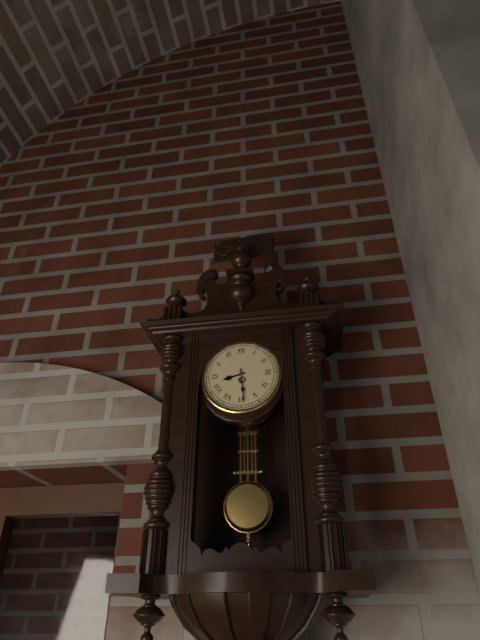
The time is **8:29**
